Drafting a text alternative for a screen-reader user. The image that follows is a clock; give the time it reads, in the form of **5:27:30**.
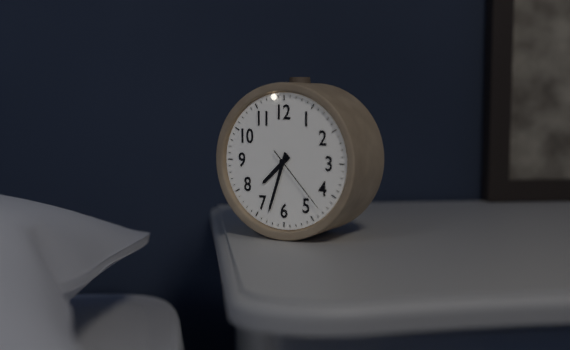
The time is **7:33:23**
